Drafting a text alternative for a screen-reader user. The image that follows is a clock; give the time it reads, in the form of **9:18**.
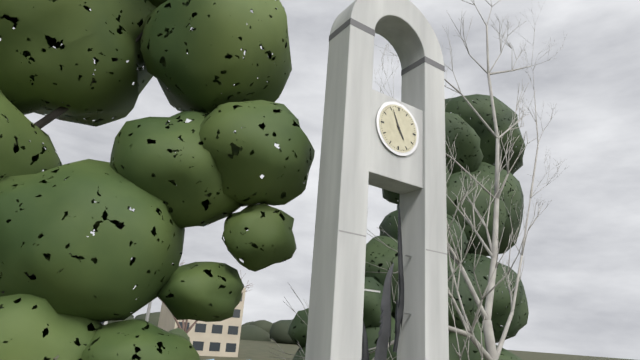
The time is **4:56**
